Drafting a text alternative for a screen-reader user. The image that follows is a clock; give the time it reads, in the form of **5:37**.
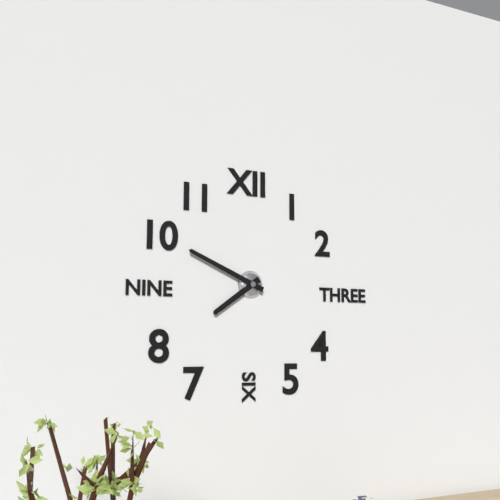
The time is **7:49**
